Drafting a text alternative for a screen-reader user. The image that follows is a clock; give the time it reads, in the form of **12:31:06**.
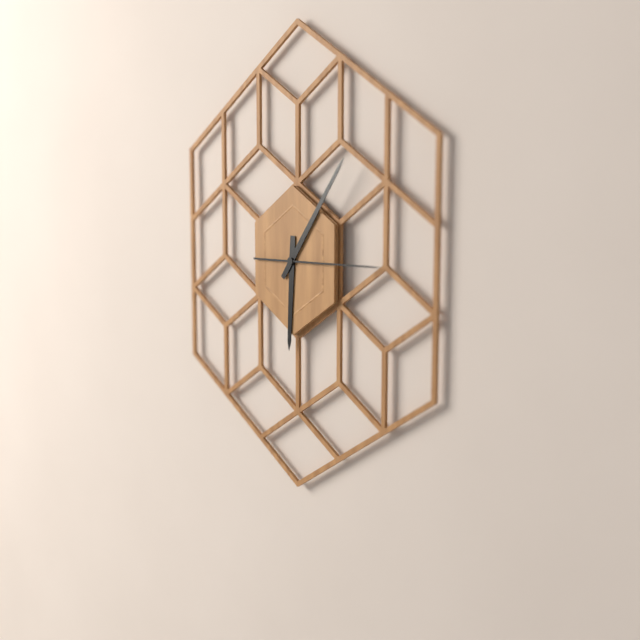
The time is **6:06:15**
